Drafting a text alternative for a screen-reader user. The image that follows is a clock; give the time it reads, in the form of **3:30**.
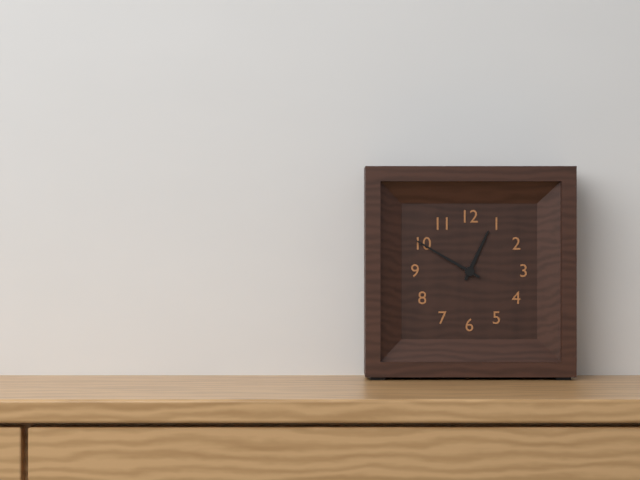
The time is **12:50**
